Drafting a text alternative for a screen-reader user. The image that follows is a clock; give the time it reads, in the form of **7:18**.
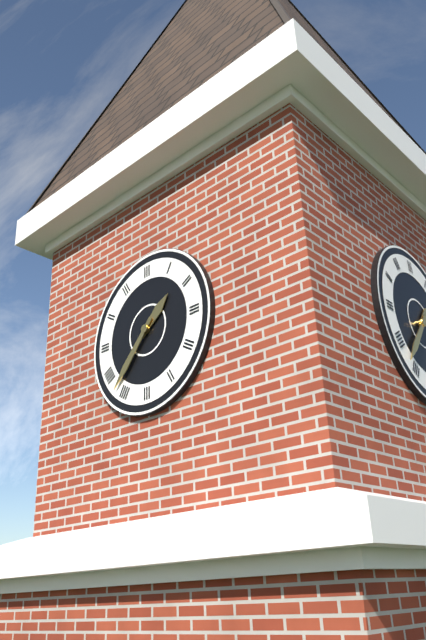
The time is **1:37**
